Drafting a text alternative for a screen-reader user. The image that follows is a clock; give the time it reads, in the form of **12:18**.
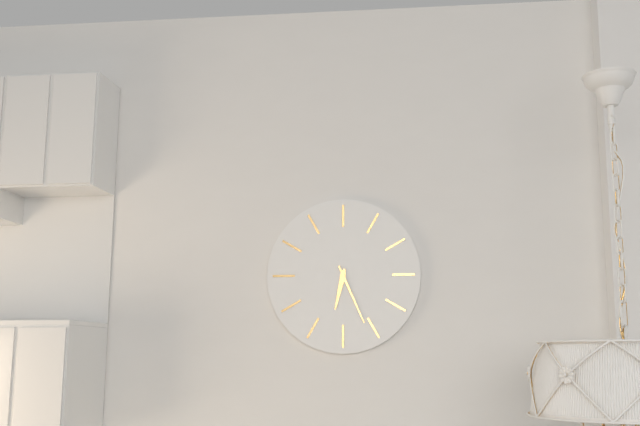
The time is **6:26**
